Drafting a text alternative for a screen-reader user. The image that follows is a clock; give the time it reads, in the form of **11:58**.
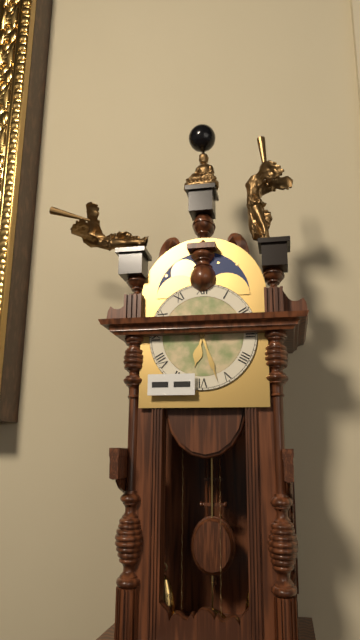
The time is **6:27**
